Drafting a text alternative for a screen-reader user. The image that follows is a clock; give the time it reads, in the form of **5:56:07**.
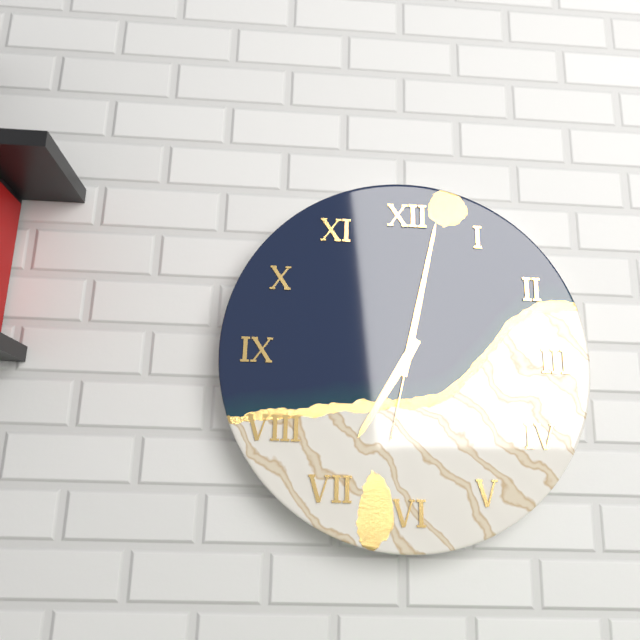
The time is **7:02:32**
